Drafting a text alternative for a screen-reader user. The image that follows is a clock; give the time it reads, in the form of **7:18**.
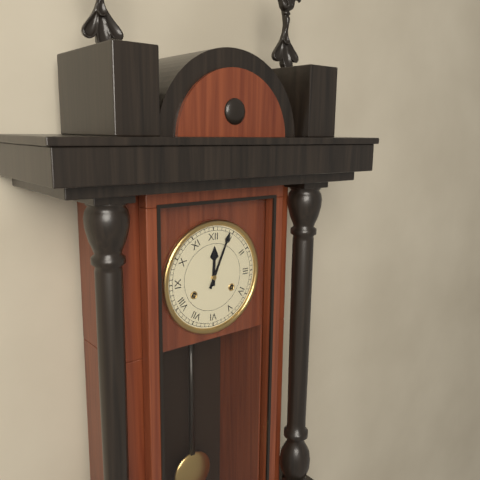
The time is **12:04**
